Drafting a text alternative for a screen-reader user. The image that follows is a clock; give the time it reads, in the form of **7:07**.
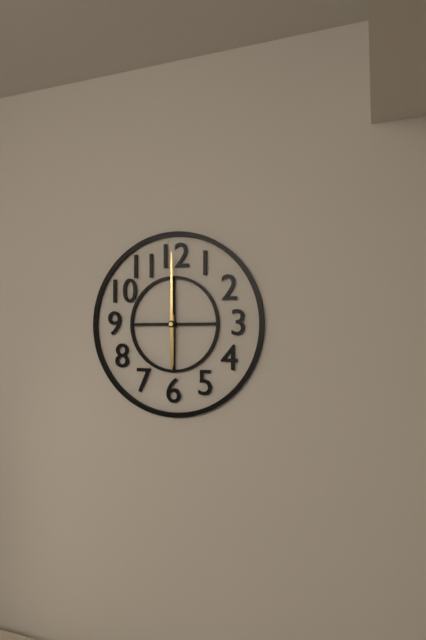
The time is **6:00**
